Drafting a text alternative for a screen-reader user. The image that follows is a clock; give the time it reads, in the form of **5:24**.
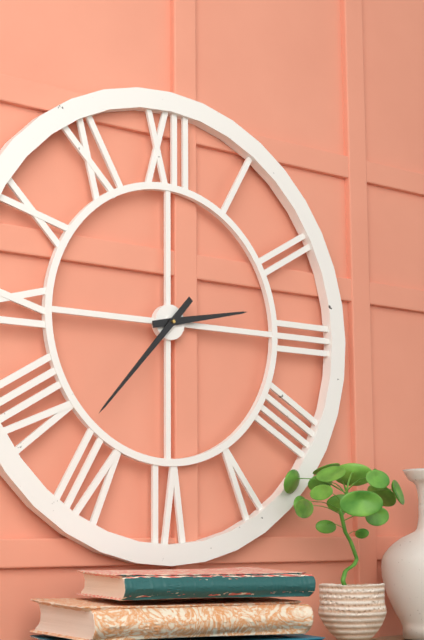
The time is **2:37**
